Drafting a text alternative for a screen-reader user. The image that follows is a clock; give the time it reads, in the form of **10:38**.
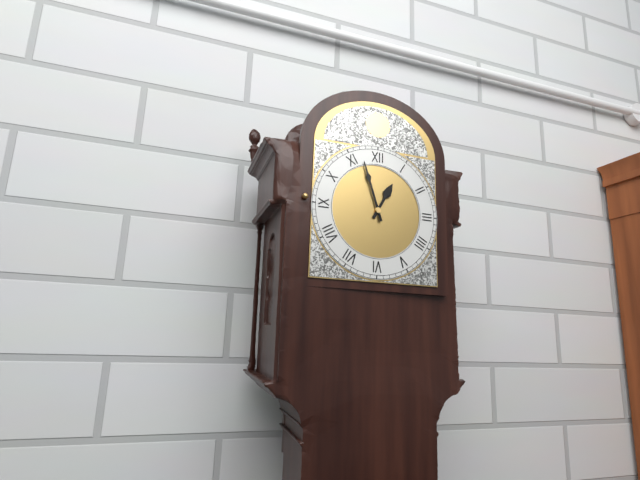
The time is **12:57**
